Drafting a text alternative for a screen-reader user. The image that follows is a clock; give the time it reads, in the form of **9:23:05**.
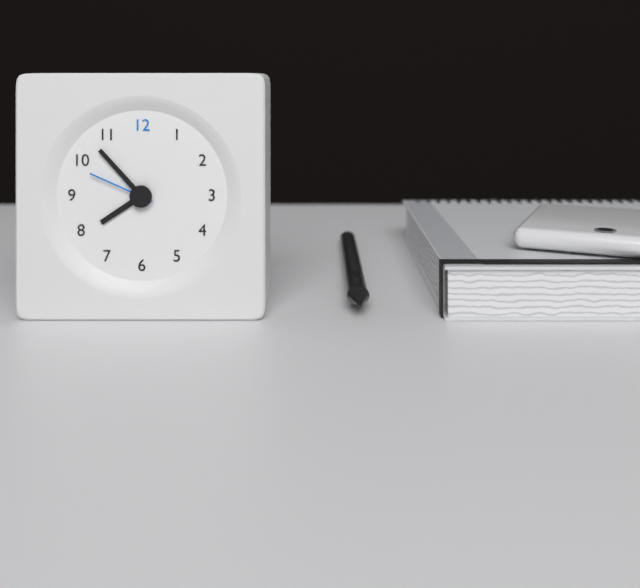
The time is **7:53:49**
